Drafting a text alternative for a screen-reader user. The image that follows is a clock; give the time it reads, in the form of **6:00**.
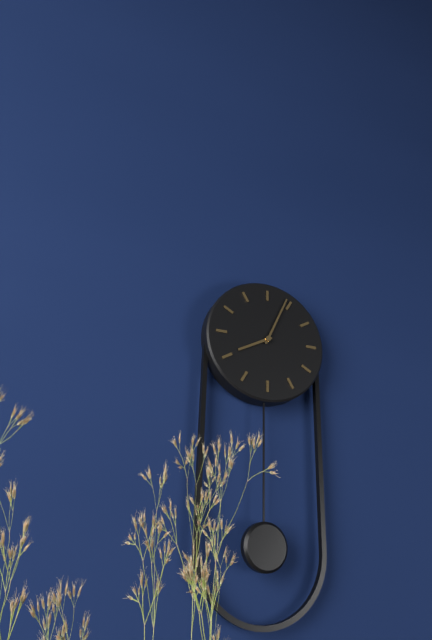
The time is **8:04**
